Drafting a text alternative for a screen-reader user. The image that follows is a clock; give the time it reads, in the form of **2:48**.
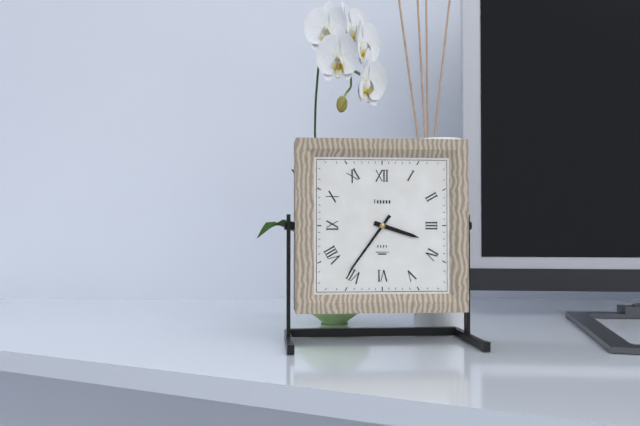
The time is **3:36**
